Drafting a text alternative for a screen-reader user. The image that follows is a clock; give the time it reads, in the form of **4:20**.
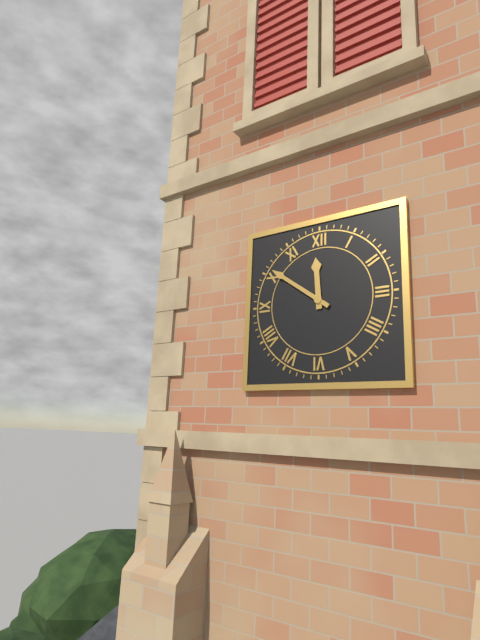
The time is **11:51**
